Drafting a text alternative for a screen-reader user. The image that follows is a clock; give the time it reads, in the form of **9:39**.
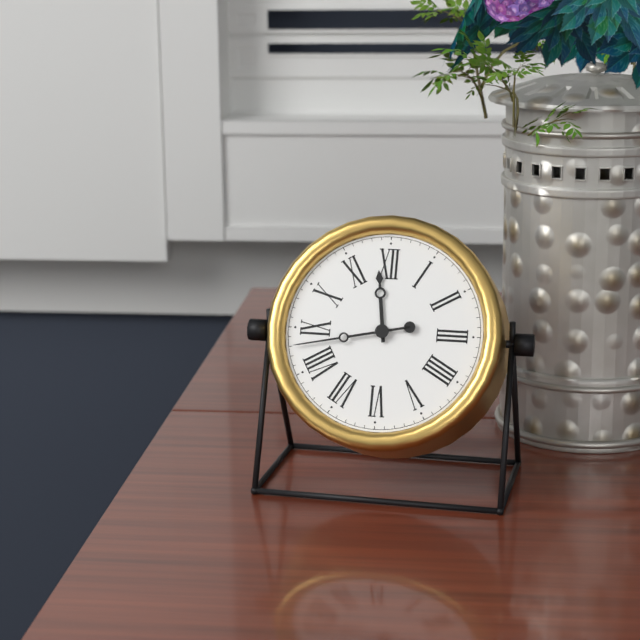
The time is **11:43**
